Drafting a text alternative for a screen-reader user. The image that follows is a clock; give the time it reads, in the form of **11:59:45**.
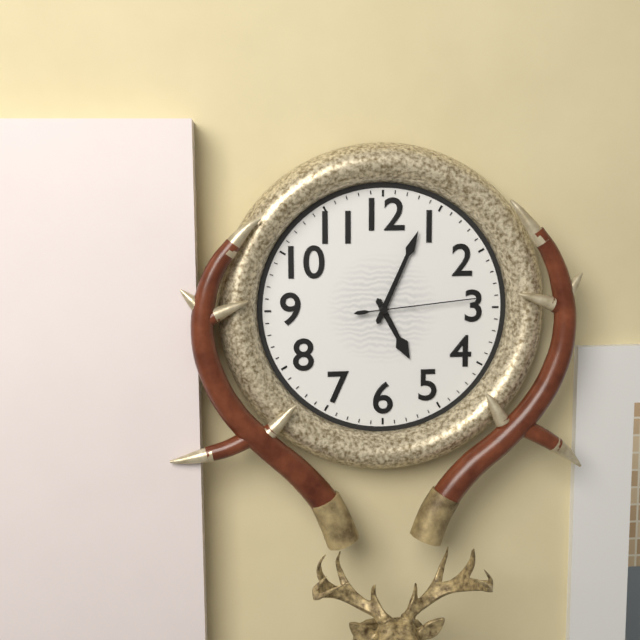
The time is **5:04:14**
